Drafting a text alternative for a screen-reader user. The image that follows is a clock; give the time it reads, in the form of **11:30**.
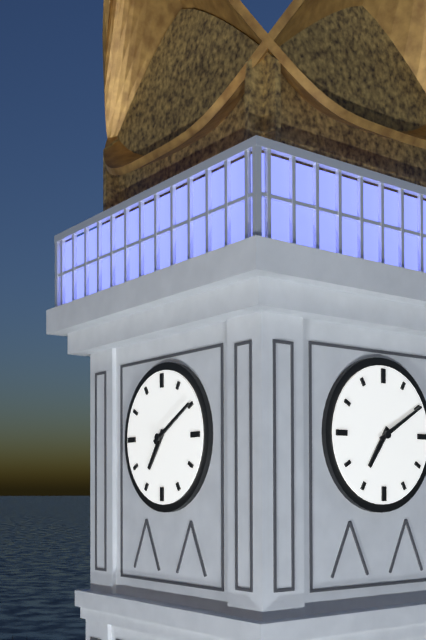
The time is **7:10**
